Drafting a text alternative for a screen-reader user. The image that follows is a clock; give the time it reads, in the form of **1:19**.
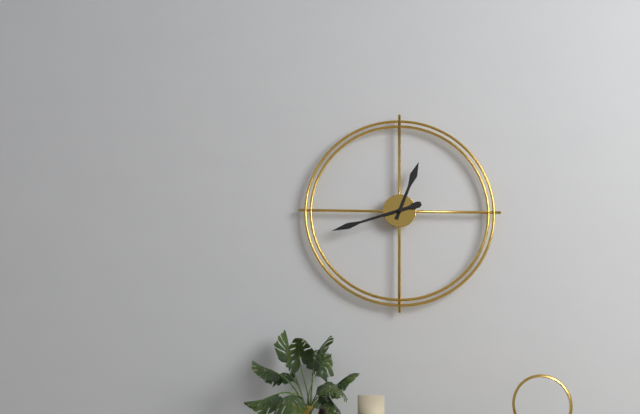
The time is **12:42**
